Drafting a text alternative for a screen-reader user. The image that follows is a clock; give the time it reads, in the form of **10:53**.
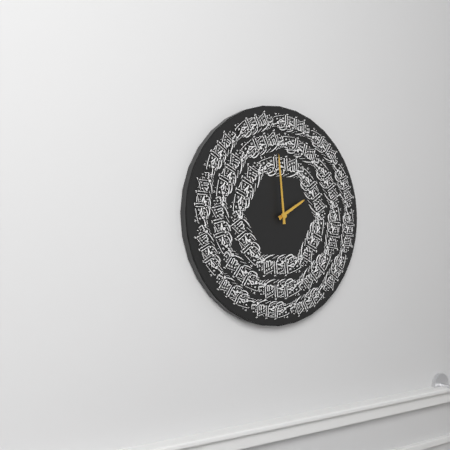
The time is **1:59**
